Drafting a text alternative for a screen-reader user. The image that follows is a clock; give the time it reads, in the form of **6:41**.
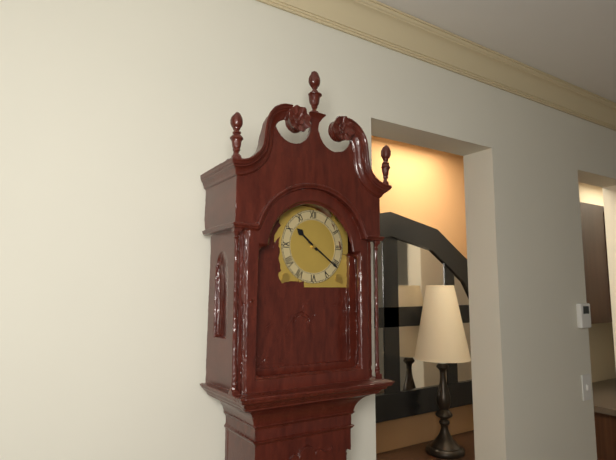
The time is **10:21**
